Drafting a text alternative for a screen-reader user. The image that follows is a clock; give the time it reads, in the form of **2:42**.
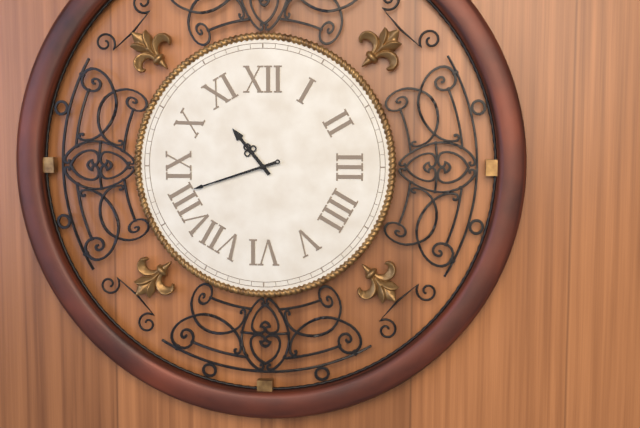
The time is **10:42**
